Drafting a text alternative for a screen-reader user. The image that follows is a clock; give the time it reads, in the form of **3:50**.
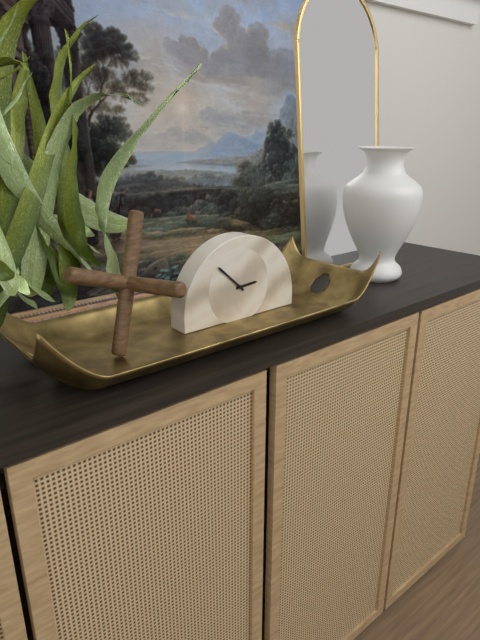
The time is **2:52**
